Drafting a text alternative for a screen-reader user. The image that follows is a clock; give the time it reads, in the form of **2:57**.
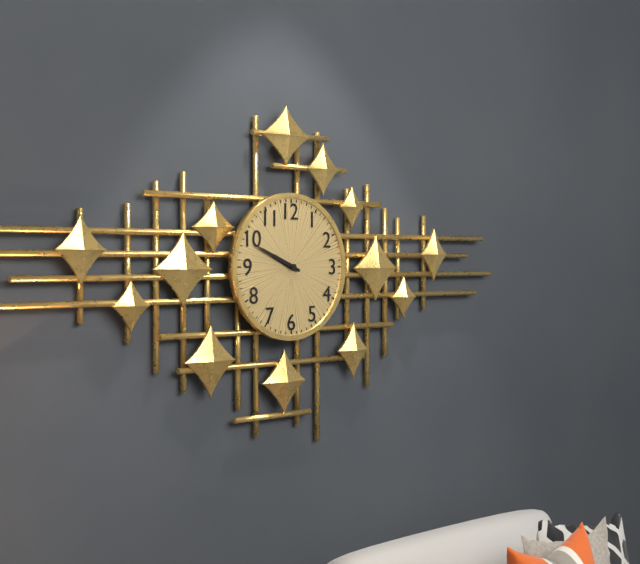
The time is **9:49**
